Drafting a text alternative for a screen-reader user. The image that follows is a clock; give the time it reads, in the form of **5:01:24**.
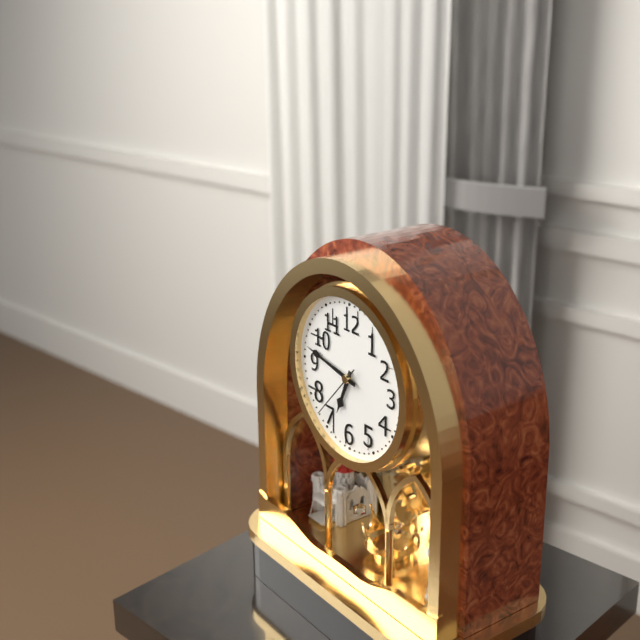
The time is **6:47:37**
